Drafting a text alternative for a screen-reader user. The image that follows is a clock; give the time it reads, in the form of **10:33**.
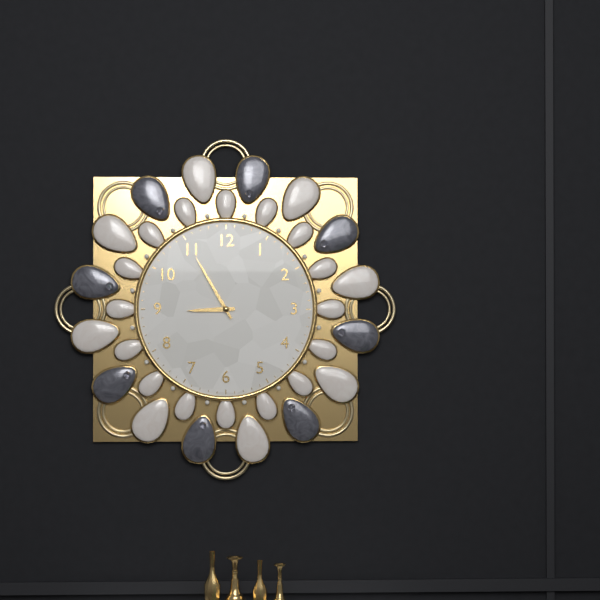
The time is **8:55**
